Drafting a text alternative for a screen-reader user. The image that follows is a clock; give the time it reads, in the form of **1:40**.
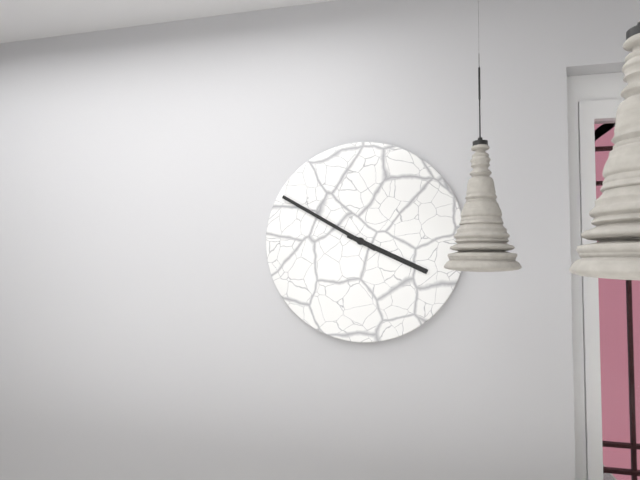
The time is **3:50**
